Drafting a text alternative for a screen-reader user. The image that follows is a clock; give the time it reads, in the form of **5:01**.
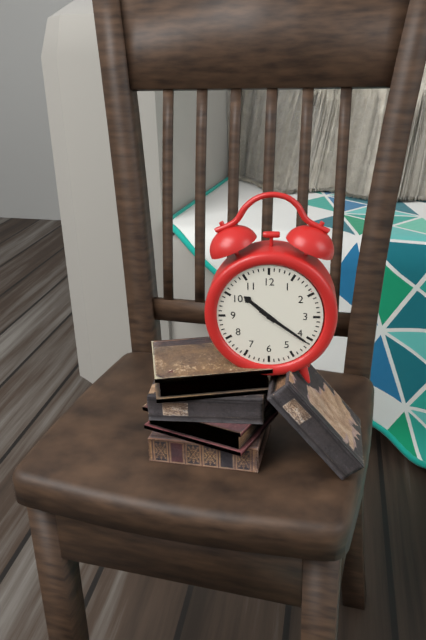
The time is **10:21**
